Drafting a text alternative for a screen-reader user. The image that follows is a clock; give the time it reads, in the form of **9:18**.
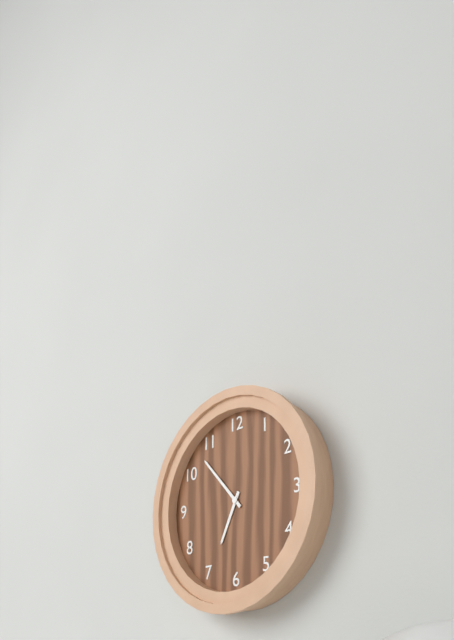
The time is **6:53**
